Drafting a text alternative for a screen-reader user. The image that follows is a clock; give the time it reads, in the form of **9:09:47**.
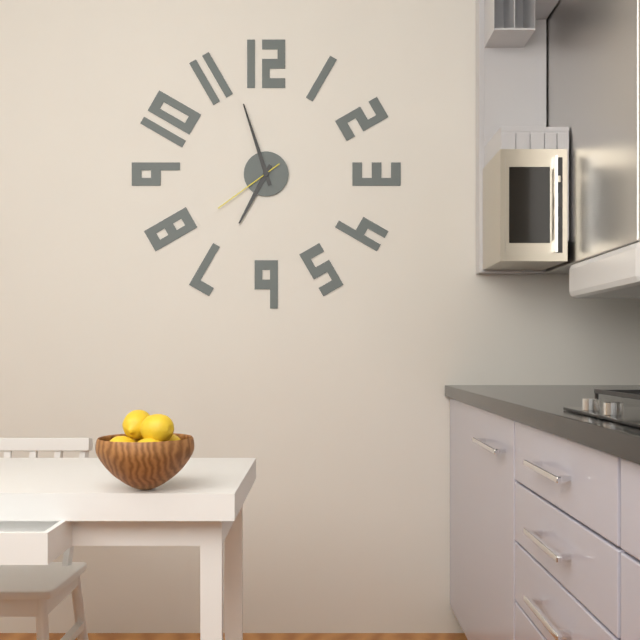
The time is **6:57:39**
